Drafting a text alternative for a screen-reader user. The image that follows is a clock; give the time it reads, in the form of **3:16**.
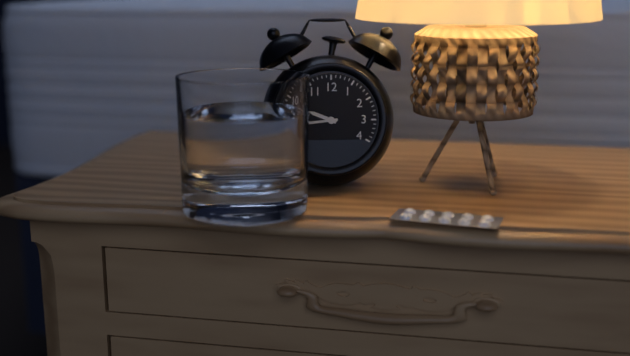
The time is **9:44**
